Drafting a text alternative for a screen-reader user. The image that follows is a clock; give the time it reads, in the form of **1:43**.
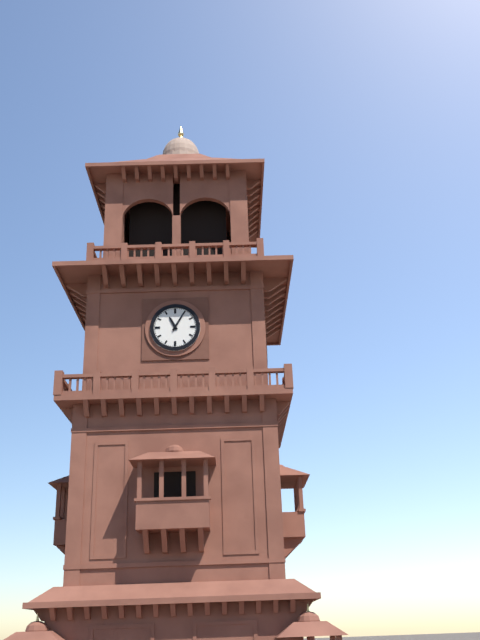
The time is **11:05**
